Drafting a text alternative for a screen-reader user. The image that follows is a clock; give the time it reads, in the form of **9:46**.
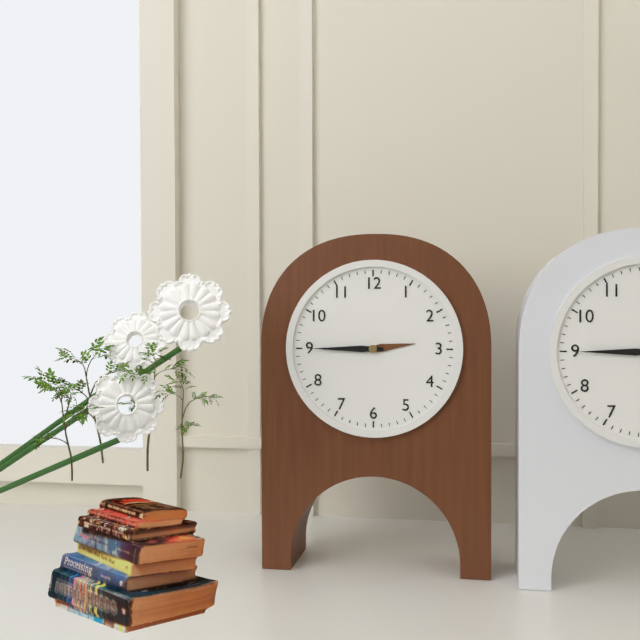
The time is **2:45**
